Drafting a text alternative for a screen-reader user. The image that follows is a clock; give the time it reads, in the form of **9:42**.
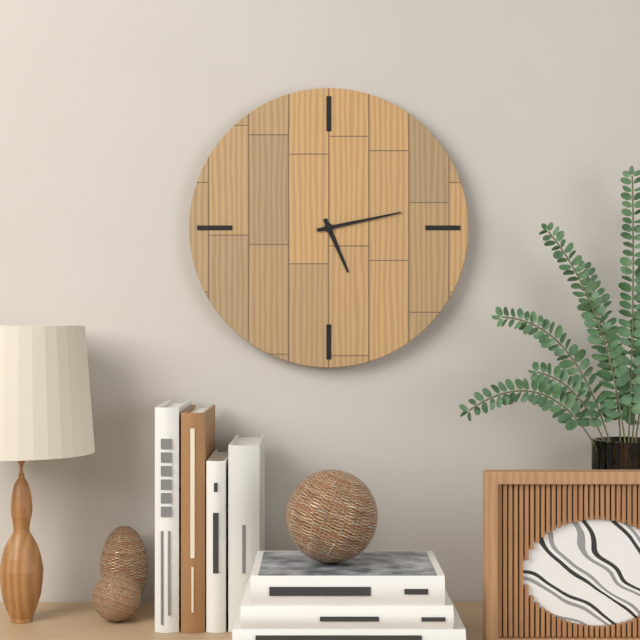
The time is **5:13**
